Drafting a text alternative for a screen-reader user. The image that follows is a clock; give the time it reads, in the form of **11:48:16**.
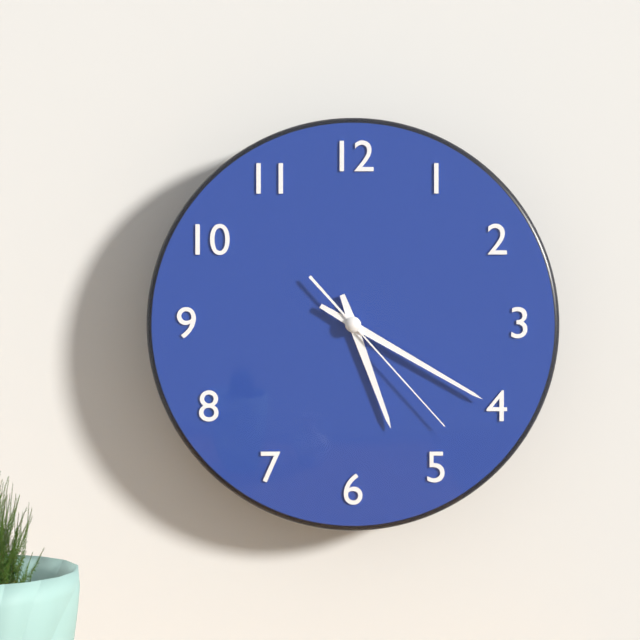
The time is **5:20:23**
